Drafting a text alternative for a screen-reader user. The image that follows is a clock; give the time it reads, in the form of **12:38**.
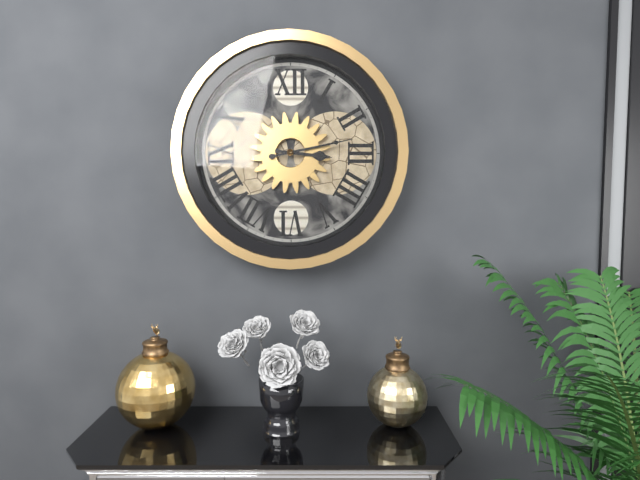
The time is **3:13**
